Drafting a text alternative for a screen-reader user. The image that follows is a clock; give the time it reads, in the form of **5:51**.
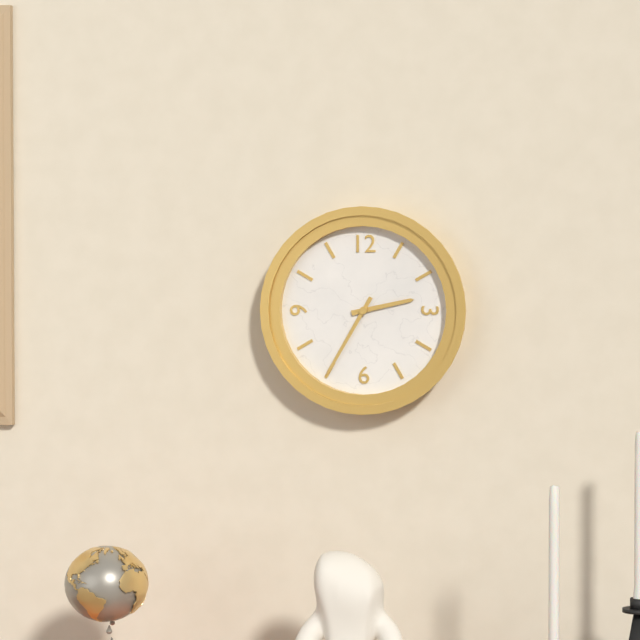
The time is **2:35**
